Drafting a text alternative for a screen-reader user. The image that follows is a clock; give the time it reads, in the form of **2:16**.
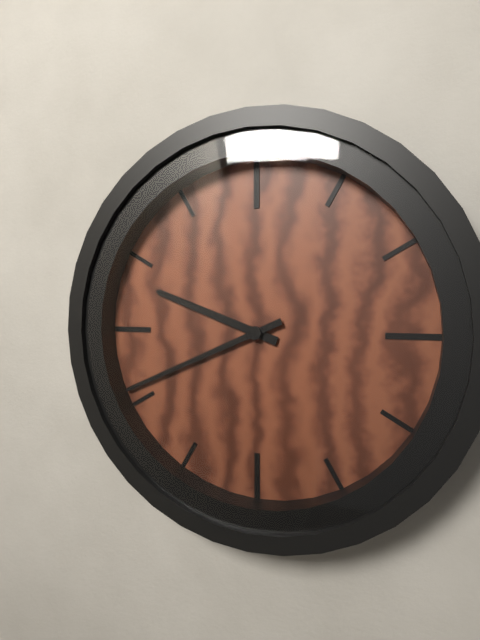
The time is **9:41**
